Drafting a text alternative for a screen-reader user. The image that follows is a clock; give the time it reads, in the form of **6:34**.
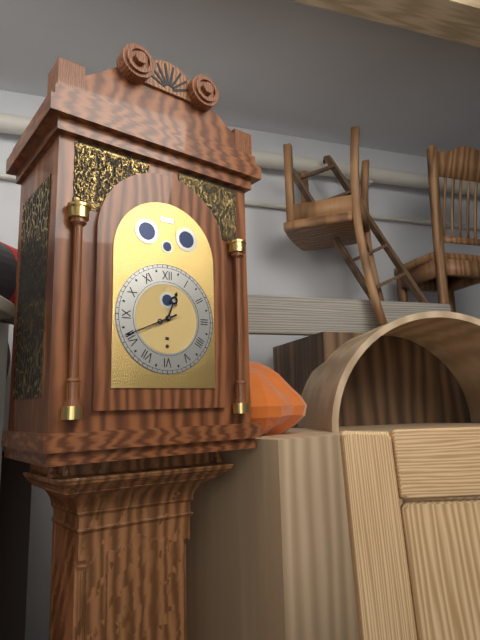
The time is **12:41**
